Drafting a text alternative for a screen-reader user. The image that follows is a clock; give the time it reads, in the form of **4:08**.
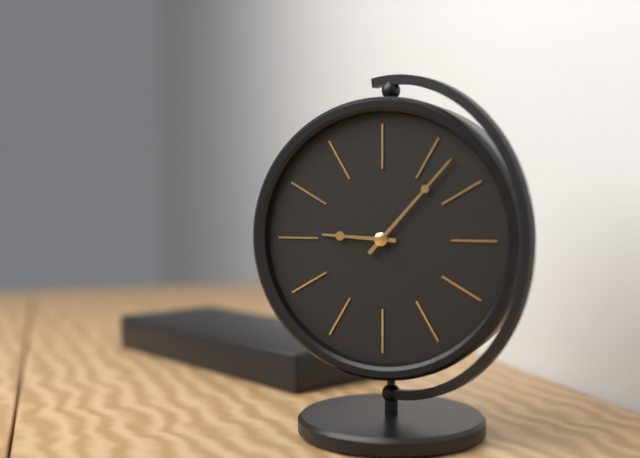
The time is **9:07**
